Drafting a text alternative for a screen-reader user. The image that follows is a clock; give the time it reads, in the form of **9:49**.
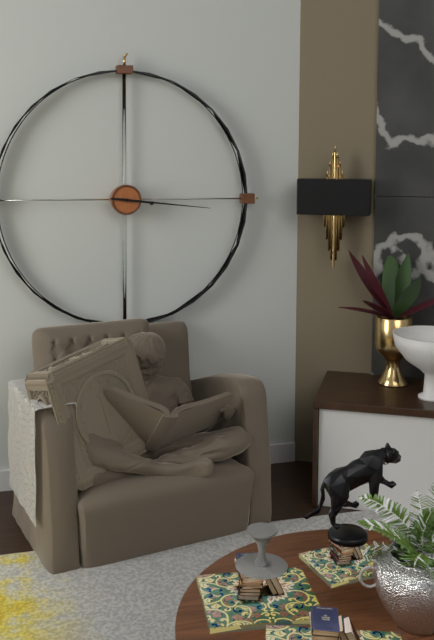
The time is **3:16**
